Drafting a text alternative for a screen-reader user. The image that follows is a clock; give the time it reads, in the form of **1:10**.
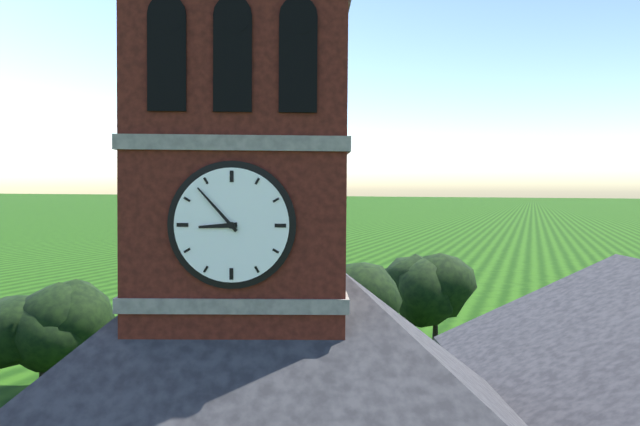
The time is **8:53**
